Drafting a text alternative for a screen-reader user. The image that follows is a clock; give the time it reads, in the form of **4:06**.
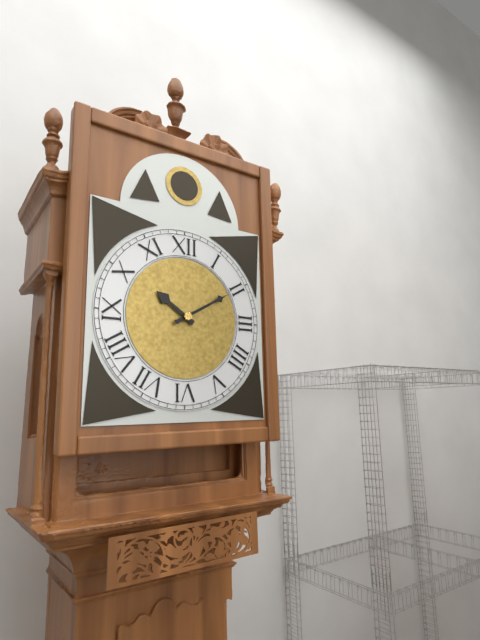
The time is **10:10**
